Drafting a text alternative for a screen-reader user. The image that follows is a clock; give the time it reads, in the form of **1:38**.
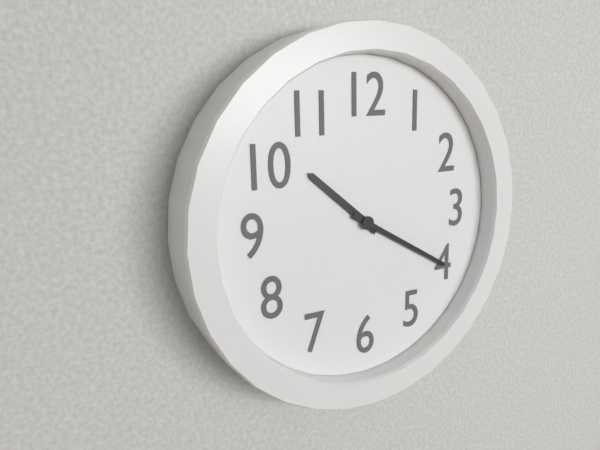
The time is **10:20**
